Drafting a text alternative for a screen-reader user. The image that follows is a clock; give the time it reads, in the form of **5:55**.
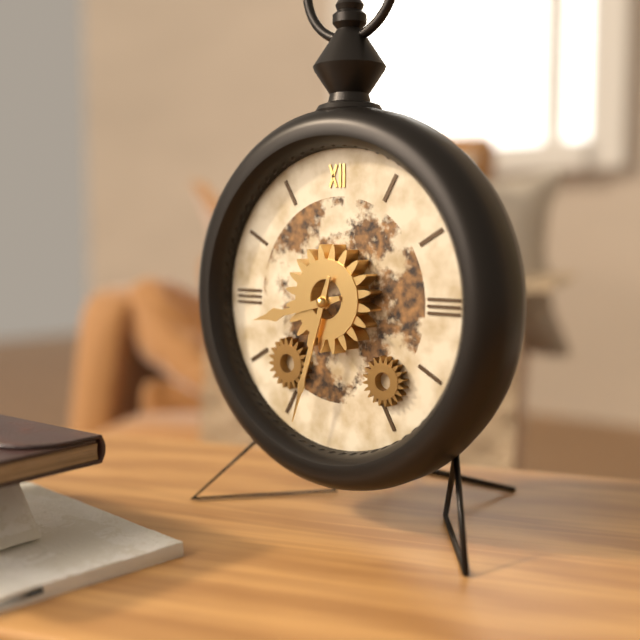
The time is **8:33**
